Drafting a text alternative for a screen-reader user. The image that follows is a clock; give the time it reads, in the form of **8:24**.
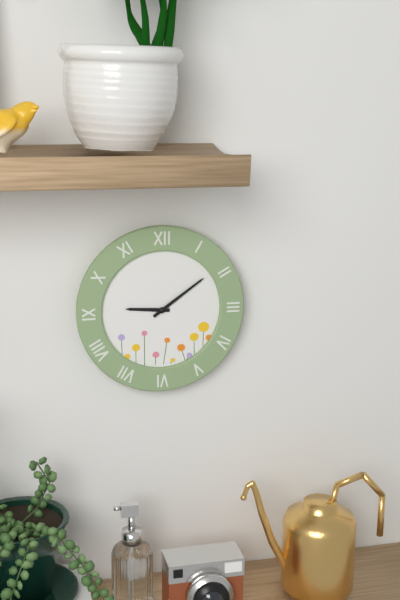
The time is **9:09**
